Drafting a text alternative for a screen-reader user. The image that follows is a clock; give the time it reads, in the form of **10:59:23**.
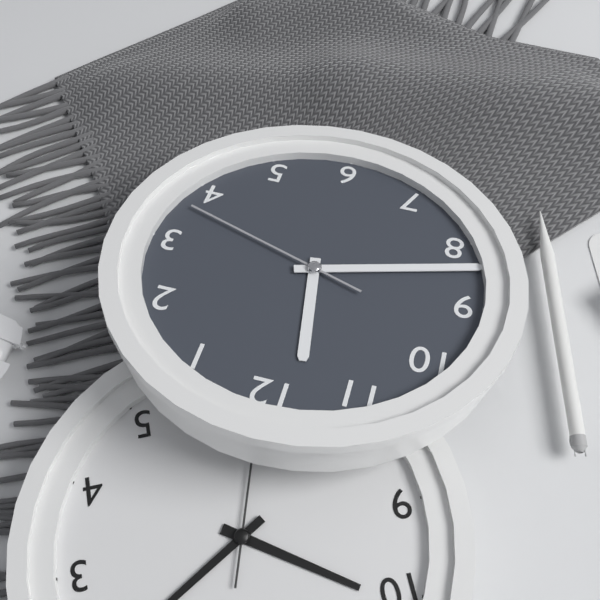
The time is **11:42:18**
